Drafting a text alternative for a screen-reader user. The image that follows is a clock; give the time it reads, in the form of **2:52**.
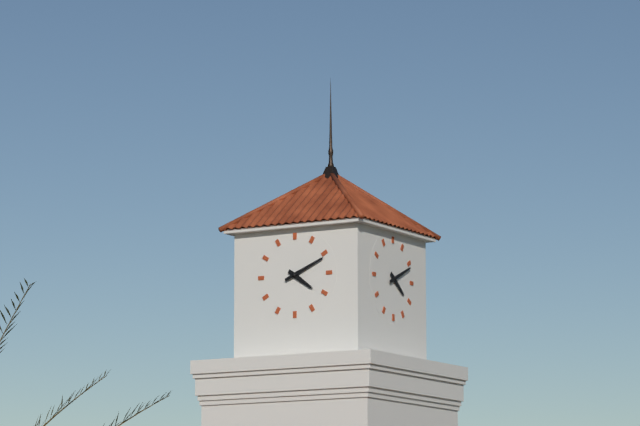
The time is **4:11**
